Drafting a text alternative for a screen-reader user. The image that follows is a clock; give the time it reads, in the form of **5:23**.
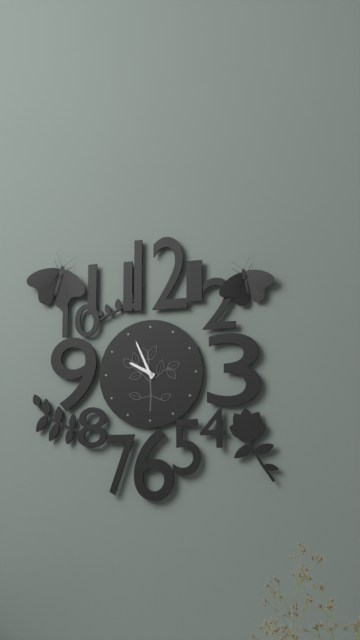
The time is **9:56**
